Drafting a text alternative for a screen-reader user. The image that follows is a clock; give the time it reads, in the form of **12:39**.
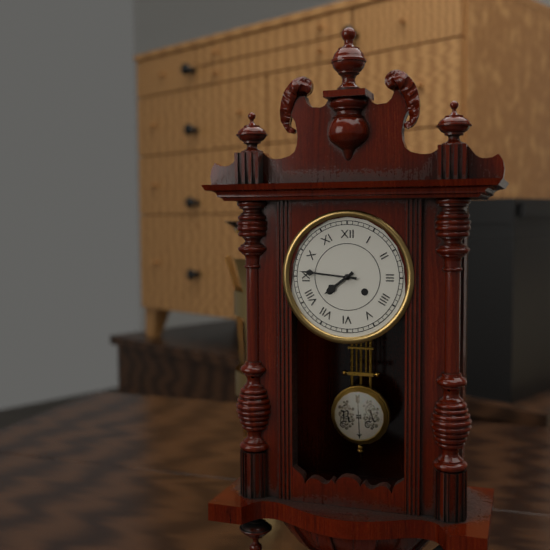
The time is **7:46**
